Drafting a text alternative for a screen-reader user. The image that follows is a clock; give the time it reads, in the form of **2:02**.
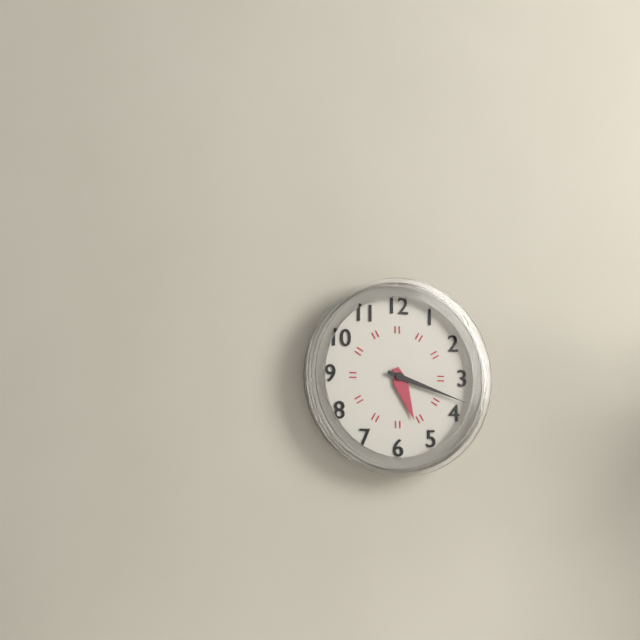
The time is **5:18**
